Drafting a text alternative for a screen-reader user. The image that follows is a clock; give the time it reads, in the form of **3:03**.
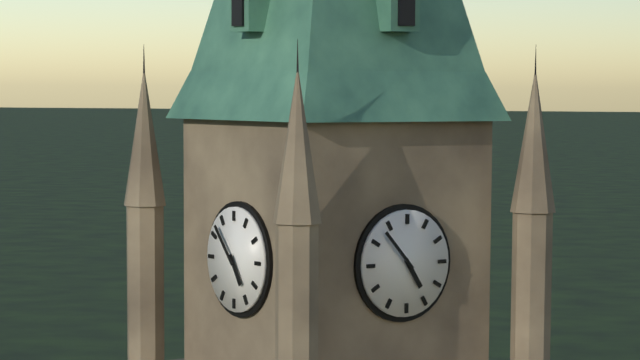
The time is **4:53**
